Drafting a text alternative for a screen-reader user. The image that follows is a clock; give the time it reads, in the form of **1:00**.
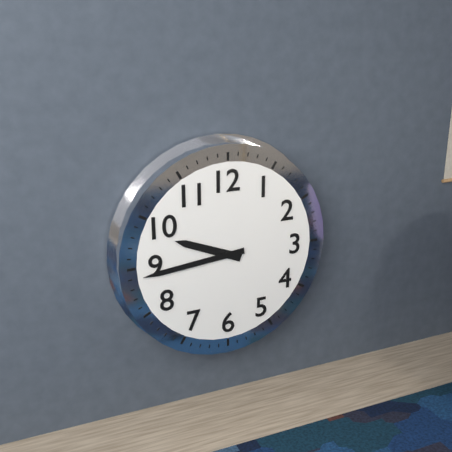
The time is **9:44**
